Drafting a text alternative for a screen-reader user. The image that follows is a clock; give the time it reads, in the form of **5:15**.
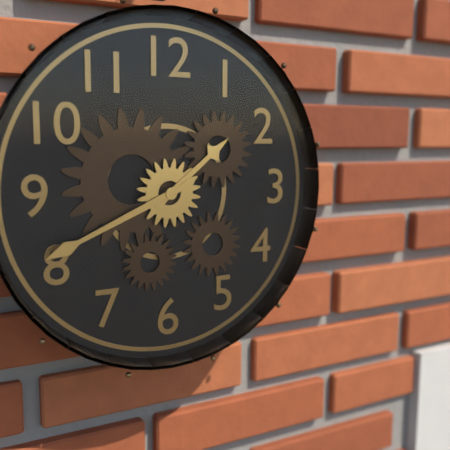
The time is **1:41**
